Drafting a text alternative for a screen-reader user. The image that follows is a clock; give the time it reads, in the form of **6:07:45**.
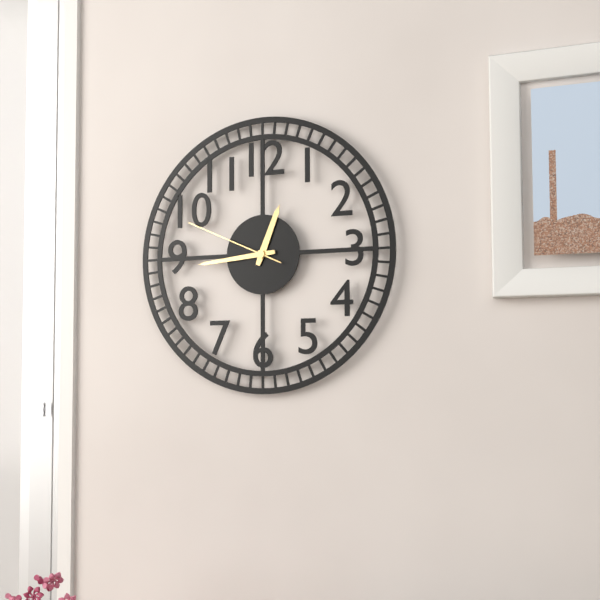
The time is **12:44:49**
